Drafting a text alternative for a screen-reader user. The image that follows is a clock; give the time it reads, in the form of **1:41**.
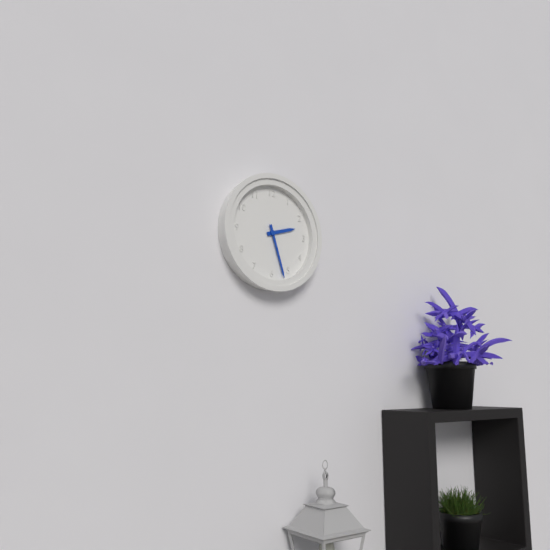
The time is **2:27**
